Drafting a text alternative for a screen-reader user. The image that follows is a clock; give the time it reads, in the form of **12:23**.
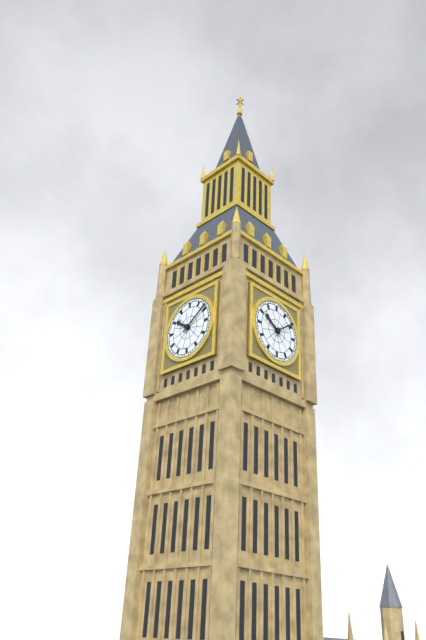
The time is **10:09**
